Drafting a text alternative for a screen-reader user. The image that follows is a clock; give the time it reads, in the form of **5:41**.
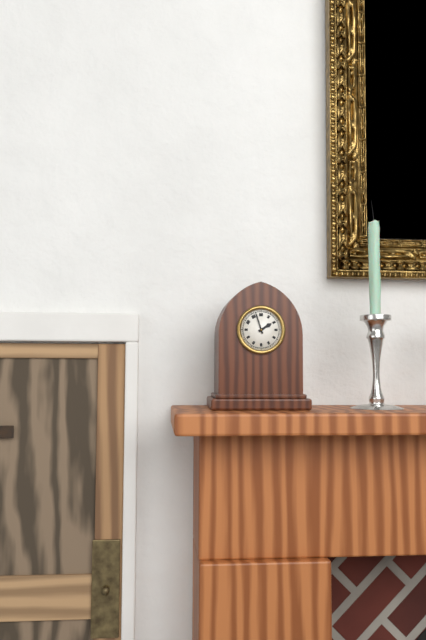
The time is **1:57**
